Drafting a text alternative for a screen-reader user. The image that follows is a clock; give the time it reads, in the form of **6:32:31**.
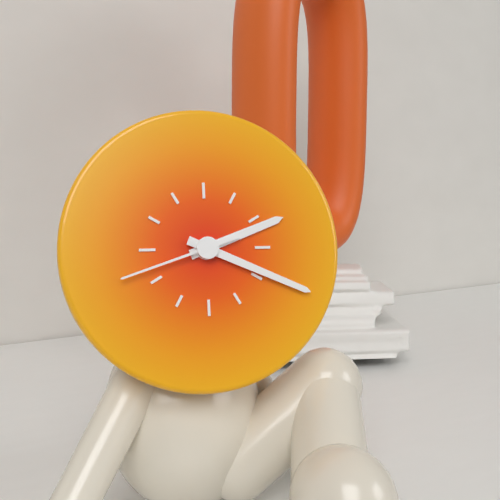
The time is **2:19:42**
